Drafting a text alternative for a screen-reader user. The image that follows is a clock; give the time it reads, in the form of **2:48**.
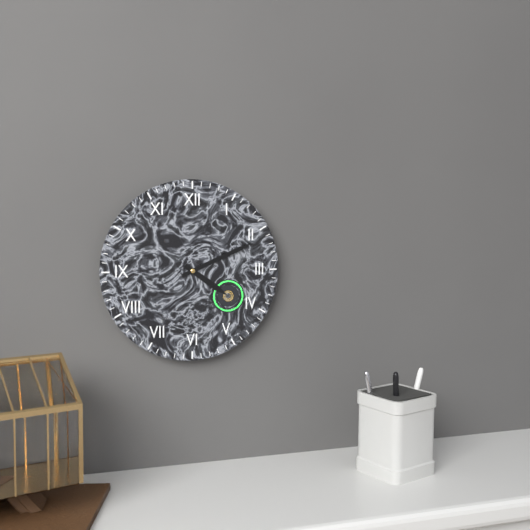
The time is **4:11**
